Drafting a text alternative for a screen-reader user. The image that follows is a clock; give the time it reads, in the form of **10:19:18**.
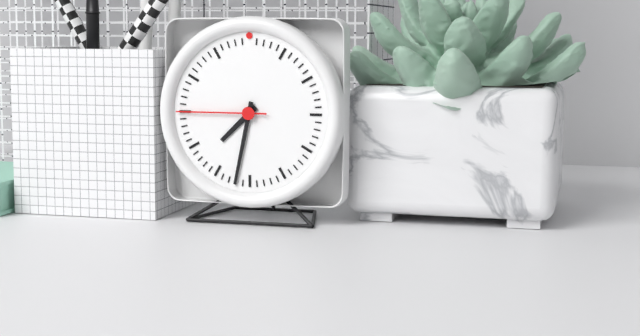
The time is **7:32:45**
